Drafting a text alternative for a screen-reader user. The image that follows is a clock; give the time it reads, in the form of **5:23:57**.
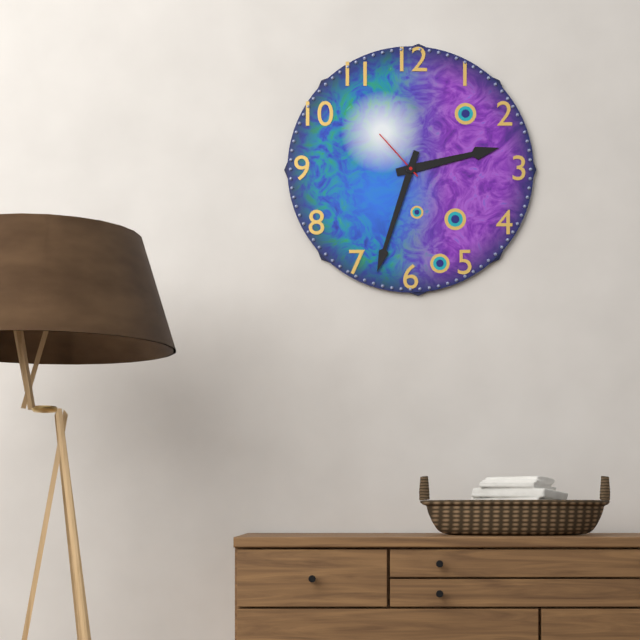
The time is **2:33:53**
